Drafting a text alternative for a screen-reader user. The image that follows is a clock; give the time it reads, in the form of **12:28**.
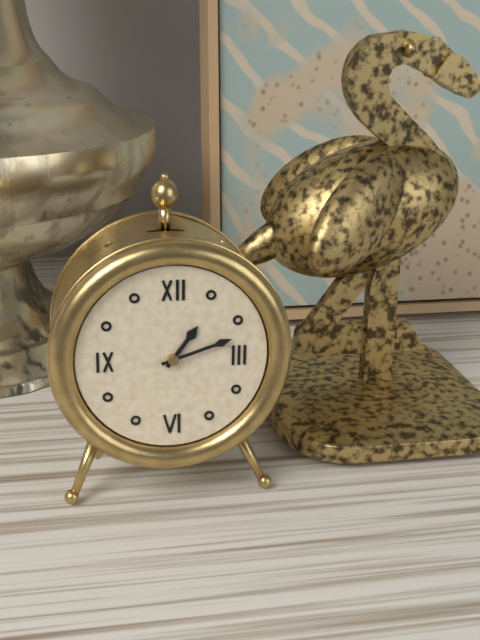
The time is **1:12**
